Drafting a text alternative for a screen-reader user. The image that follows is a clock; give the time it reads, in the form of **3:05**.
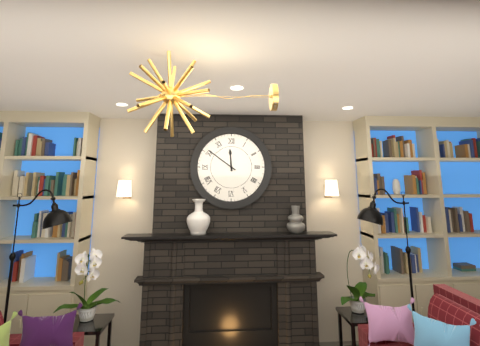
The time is **11:51**
